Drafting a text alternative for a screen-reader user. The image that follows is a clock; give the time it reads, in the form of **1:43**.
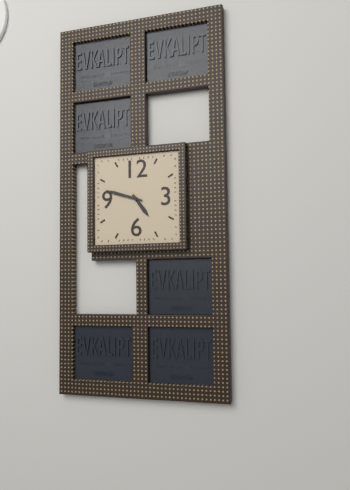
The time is **4:48**
